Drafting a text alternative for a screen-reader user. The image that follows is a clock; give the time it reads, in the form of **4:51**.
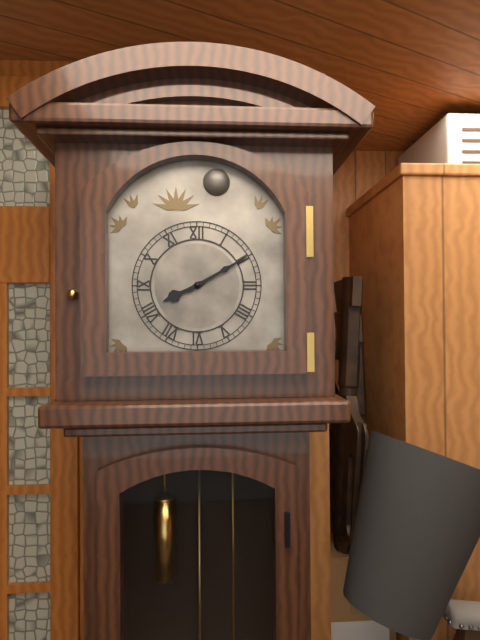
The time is **8:10**
